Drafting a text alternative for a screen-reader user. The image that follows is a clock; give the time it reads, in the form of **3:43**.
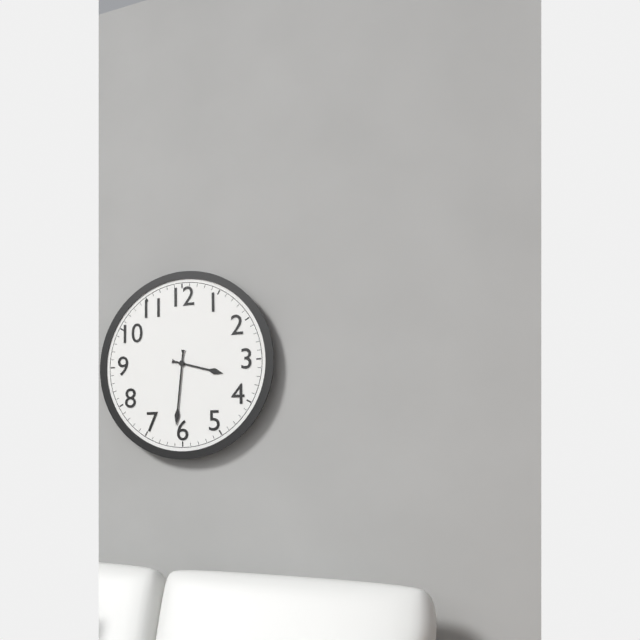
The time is **3:31**
